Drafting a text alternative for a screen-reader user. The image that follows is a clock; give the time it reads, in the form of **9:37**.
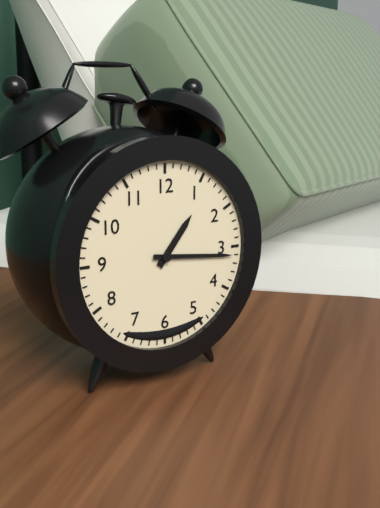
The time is **1:16**
